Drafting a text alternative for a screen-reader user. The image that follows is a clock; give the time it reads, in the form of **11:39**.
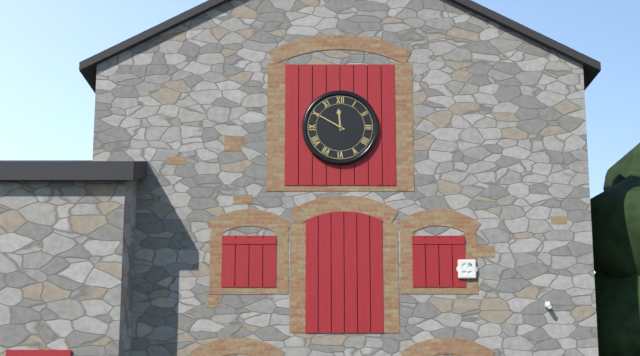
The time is **11:50**
